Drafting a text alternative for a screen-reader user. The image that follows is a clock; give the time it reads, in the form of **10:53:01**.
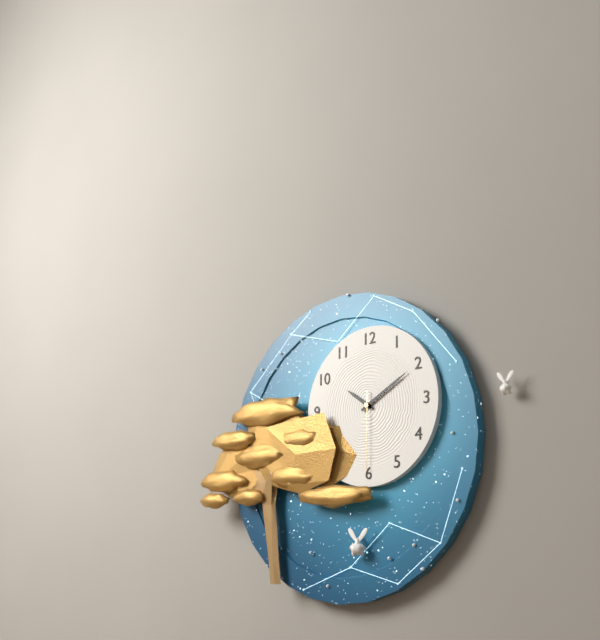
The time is **10:10:30**
